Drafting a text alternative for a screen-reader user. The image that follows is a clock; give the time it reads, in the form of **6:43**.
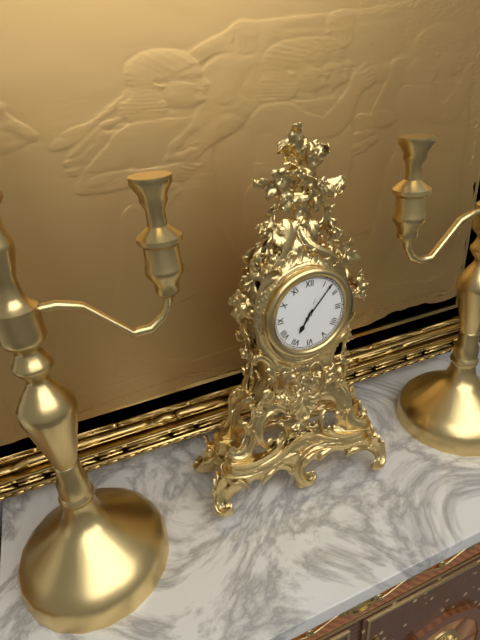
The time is **7:07**
